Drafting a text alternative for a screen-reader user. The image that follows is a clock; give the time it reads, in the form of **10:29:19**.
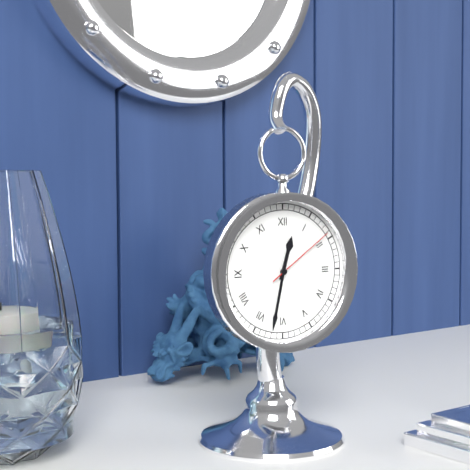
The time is **12:32:09**
